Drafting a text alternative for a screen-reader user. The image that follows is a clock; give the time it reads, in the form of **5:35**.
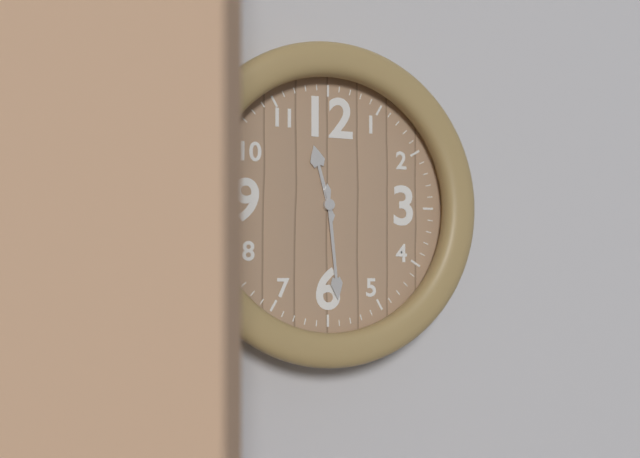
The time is **11:29**
